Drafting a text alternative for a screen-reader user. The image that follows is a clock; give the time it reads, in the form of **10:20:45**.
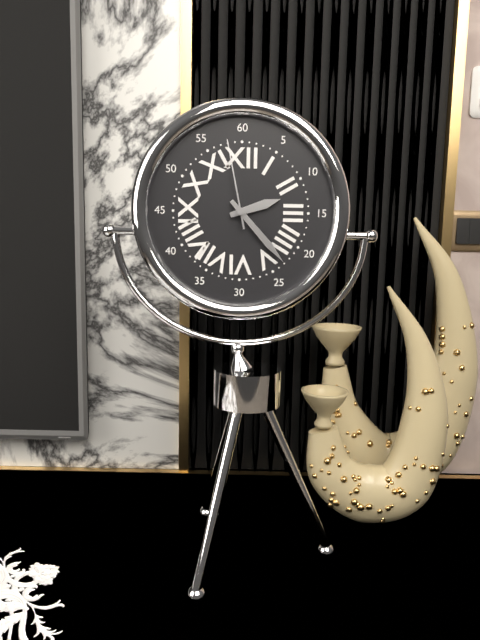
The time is **2:23:58**
